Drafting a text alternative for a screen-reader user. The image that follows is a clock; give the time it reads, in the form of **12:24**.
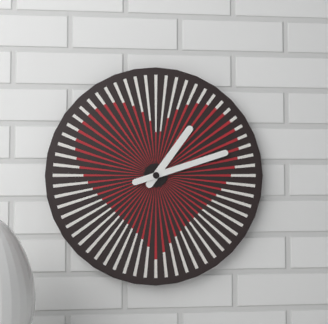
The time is **1:12**
